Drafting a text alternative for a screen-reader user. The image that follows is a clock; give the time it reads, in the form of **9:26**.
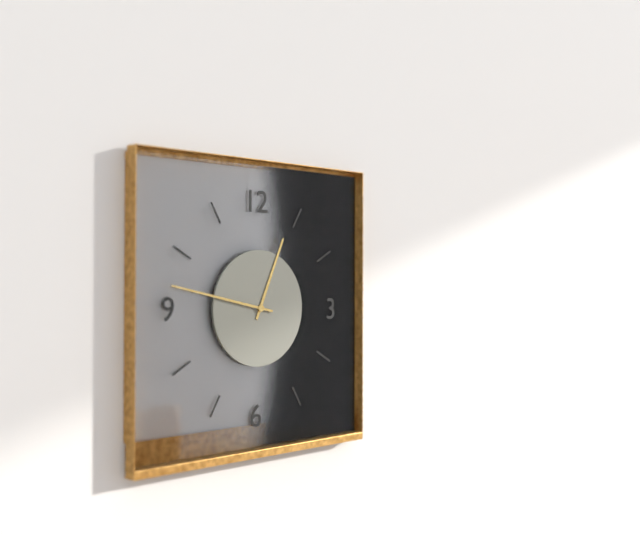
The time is **12:47**
